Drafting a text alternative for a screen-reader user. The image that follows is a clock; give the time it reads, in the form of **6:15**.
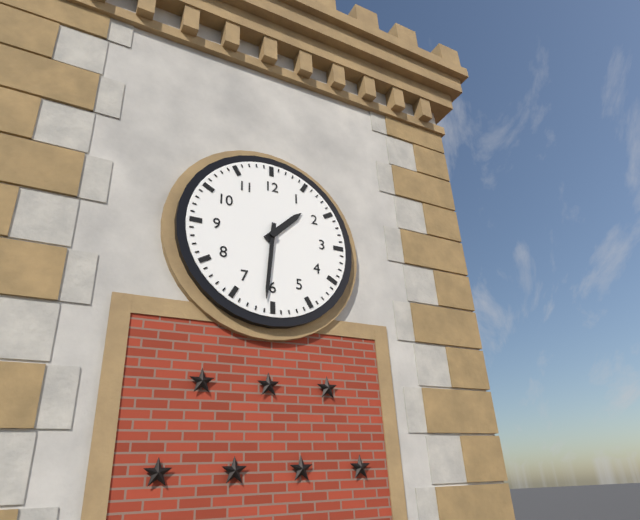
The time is **1:31**
